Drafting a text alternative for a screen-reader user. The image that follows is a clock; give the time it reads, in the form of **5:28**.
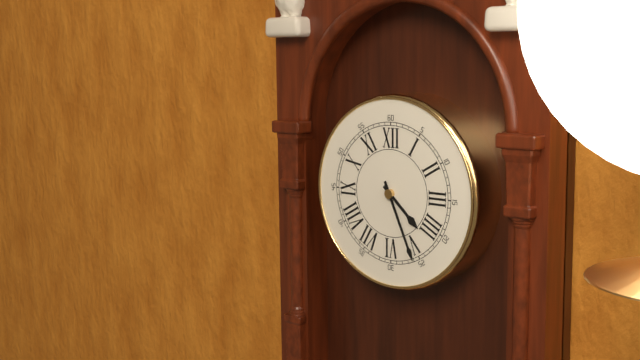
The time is **4:26**
